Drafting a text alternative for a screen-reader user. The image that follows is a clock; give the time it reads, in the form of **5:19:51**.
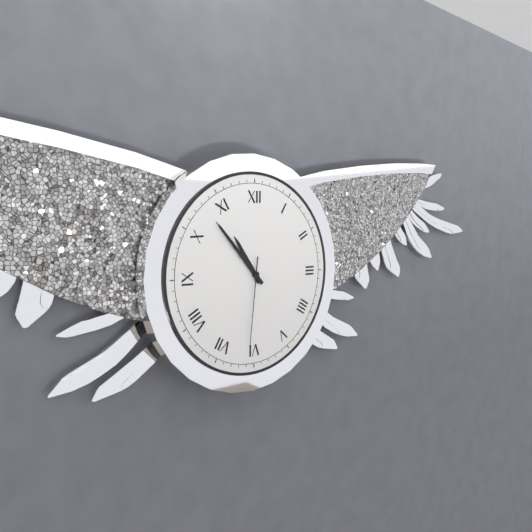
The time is **10:53:31**
